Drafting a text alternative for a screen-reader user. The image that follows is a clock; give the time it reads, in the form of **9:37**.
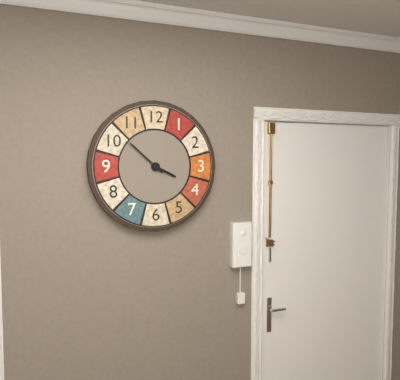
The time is **3:52**
